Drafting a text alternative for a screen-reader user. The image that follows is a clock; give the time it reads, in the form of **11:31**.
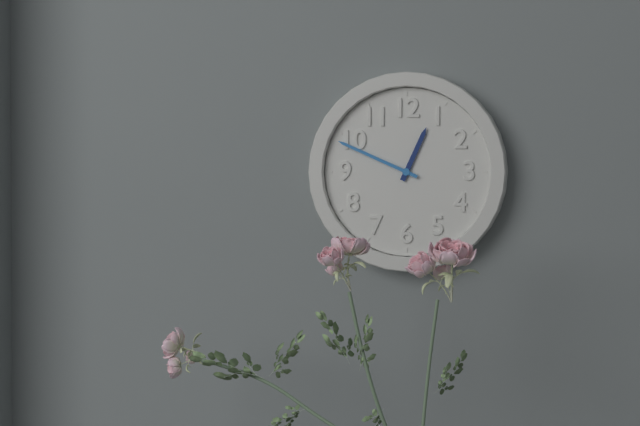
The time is **12:49**
